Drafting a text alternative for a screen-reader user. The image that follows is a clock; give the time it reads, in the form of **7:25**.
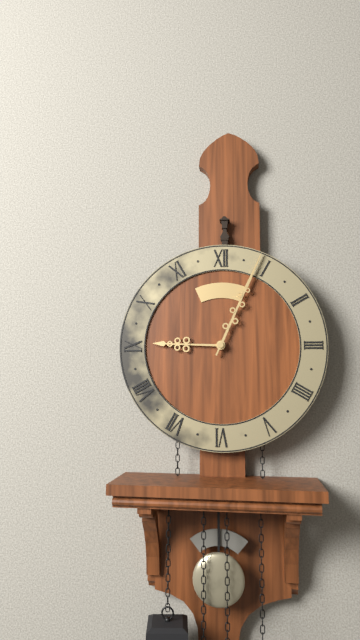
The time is **9:04**
